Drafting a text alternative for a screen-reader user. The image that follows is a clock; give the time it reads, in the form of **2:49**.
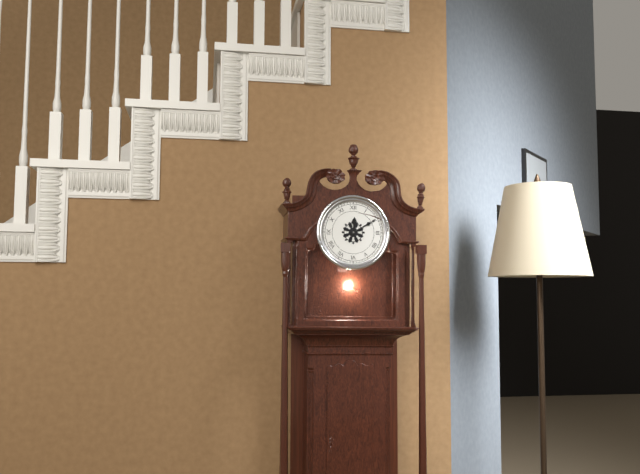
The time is **12:10**
